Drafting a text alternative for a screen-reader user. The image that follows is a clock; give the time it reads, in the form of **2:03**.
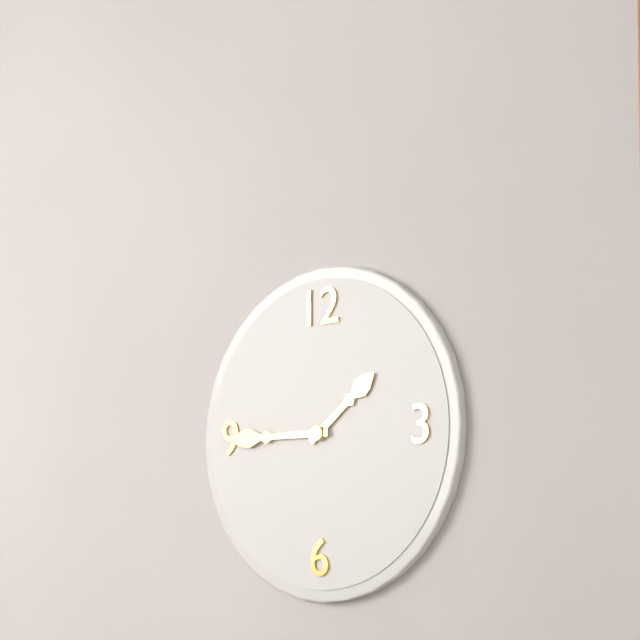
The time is **1:45**
